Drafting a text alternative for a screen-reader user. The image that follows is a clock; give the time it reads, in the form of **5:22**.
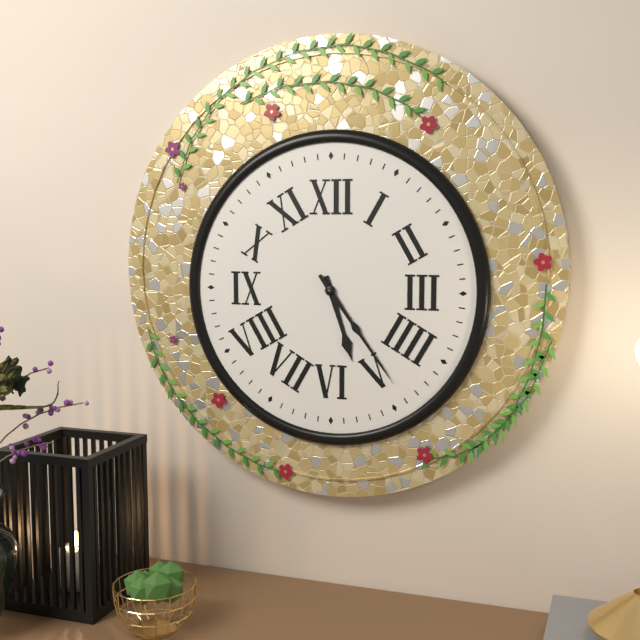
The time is **5:24**
